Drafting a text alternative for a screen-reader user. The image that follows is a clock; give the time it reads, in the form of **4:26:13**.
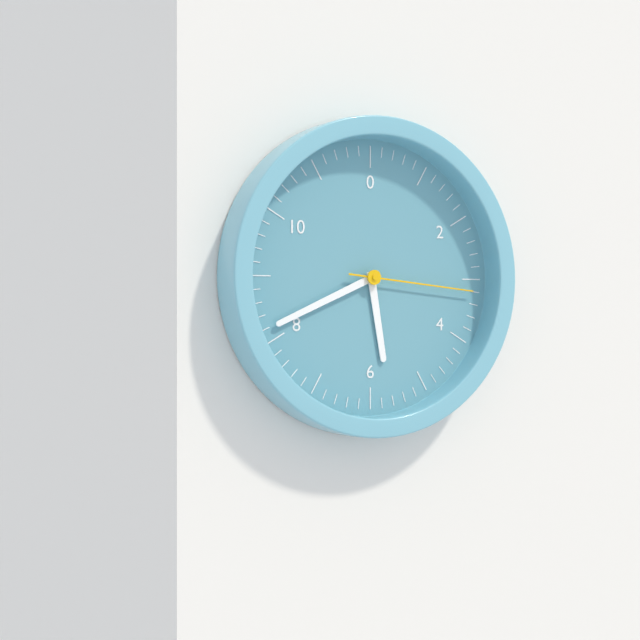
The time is **5:41:16**
